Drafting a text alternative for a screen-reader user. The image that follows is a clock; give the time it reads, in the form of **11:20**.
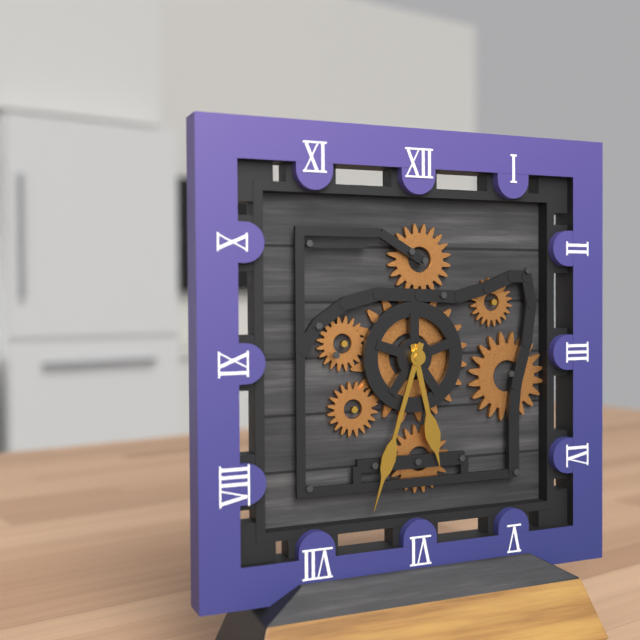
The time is **5:33**
